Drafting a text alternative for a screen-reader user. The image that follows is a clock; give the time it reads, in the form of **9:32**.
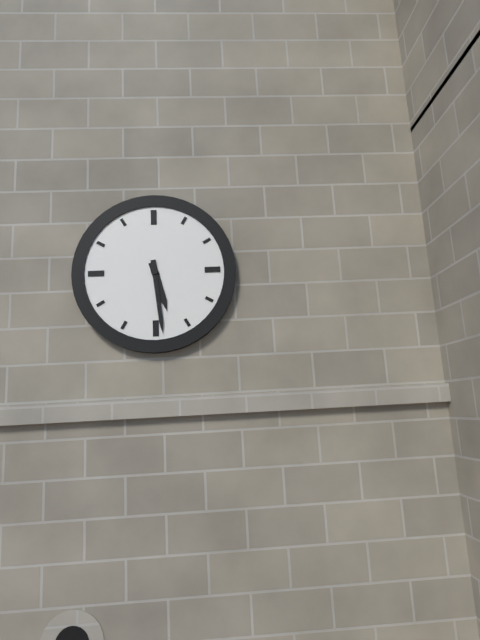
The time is **5:29**
